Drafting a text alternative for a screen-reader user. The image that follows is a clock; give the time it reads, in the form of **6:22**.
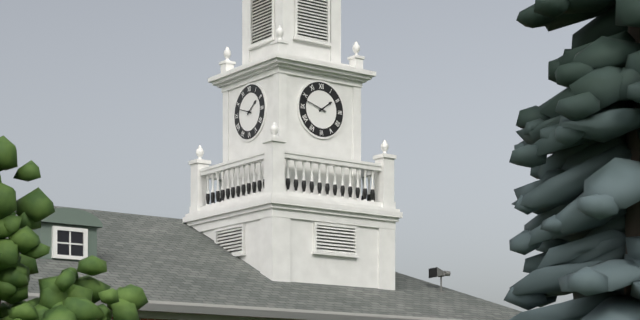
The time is **1:48**
